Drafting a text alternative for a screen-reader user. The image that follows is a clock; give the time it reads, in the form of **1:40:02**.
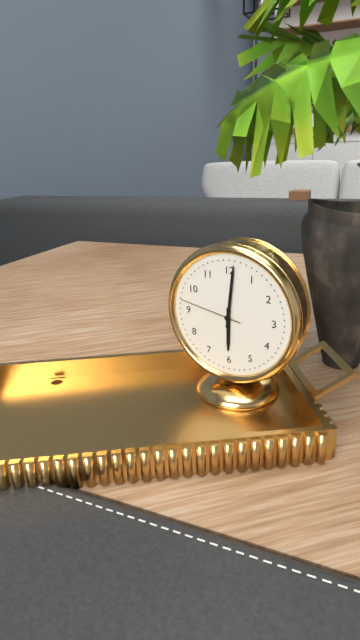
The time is **6:01:47**
